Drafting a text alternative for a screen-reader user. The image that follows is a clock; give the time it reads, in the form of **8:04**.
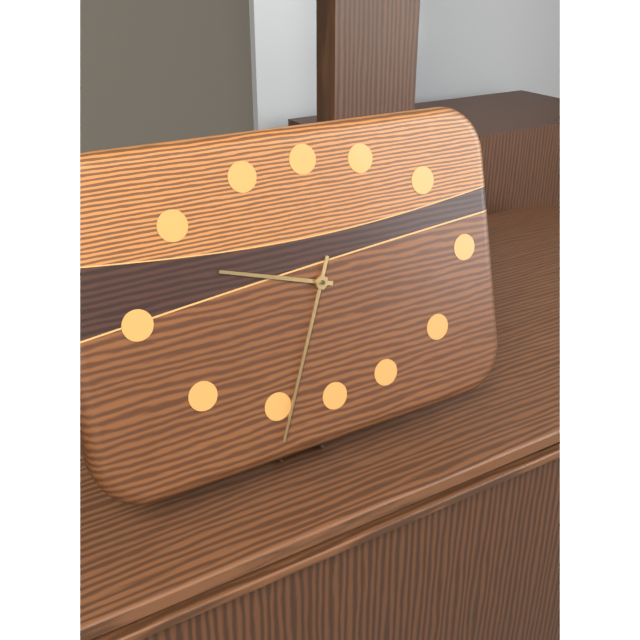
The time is **9:34**
